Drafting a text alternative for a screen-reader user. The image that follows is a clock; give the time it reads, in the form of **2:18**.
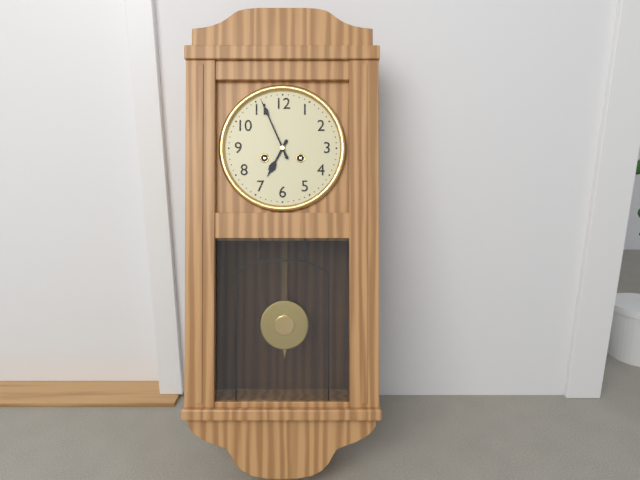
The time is **6:56**
